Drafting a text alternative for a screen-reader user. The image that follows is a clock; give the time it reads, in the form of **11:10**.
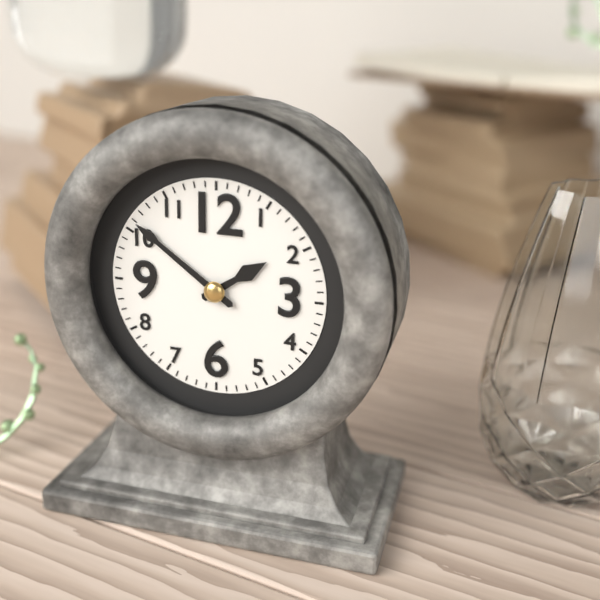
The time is **1:51**
